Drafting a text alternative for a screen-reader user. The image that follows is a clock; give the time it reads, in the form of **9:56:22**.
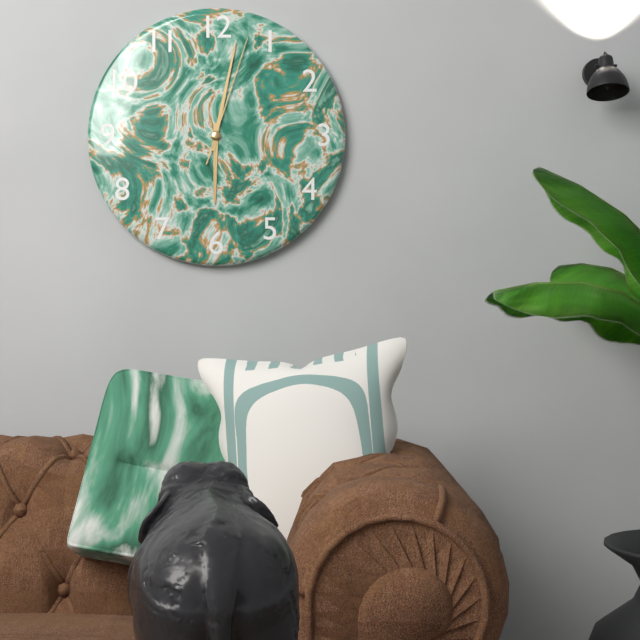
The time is **6:02:03**
